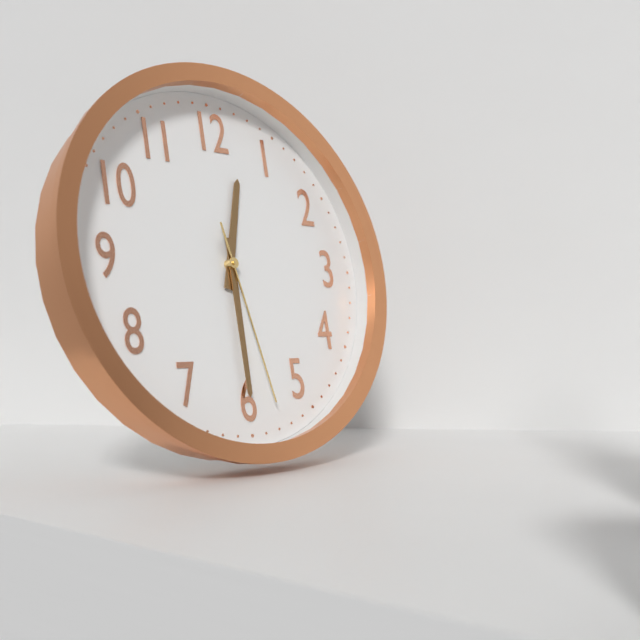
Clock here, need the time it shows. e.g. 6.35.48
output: 12.30.28
